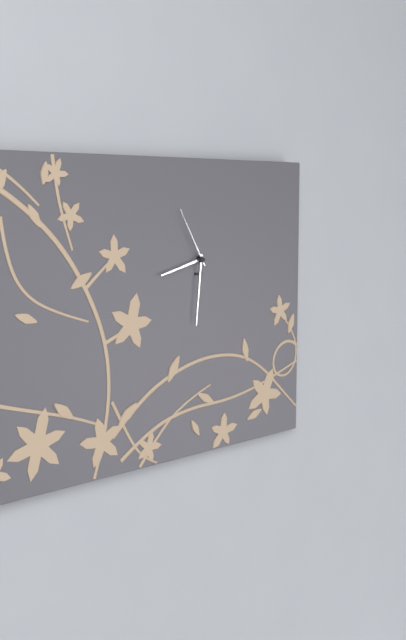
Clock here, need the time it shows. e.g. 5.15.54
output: 8.31.55
